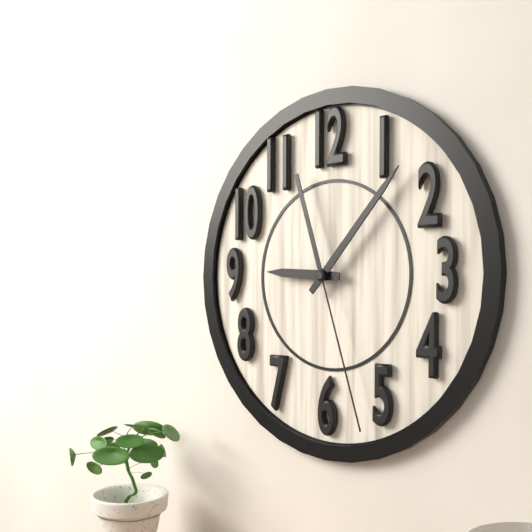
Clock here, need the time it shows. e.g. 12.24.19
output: 9.07.27
